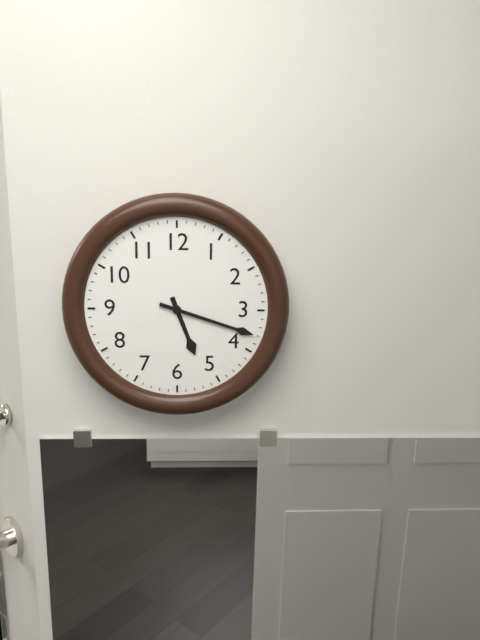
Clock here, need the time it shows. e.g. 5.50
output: 5.18
